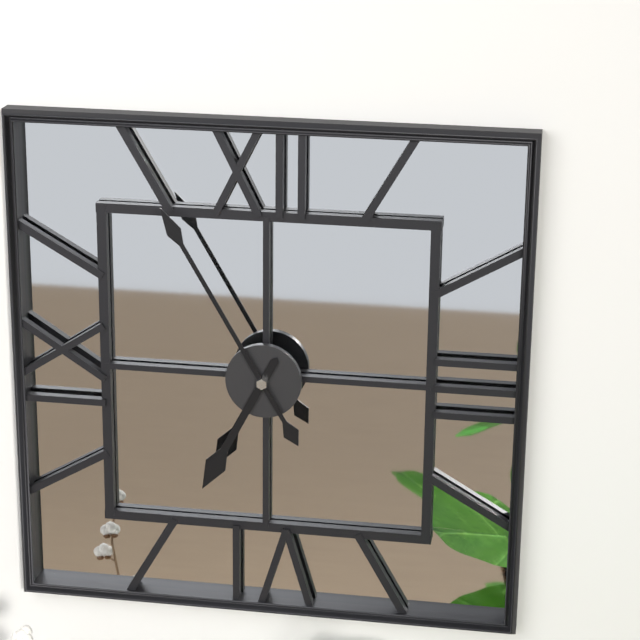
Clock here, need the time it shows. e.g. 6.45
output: 6.55
